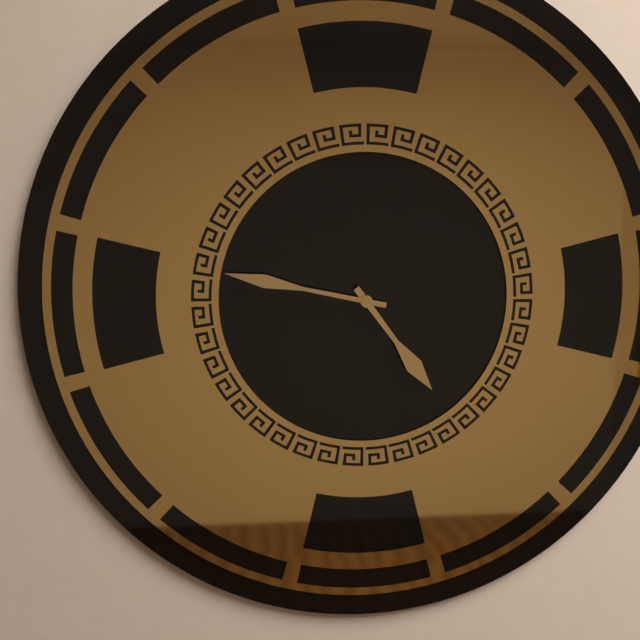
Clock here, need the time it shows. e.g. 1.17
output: 4.47
